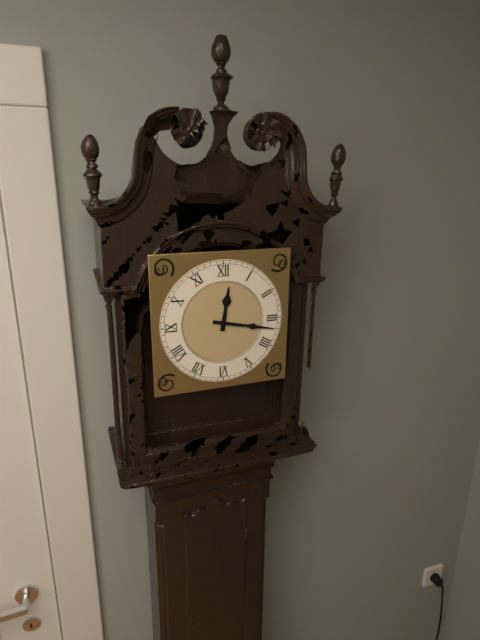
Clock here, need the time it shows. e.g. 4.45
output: 12.17
